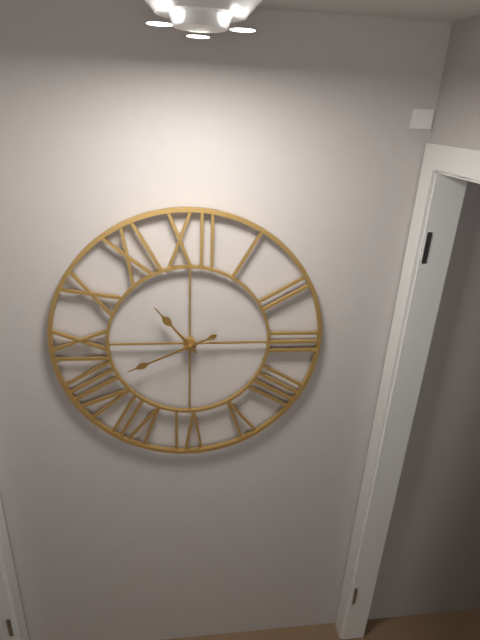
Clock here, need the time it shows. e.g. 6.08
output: 10.41
